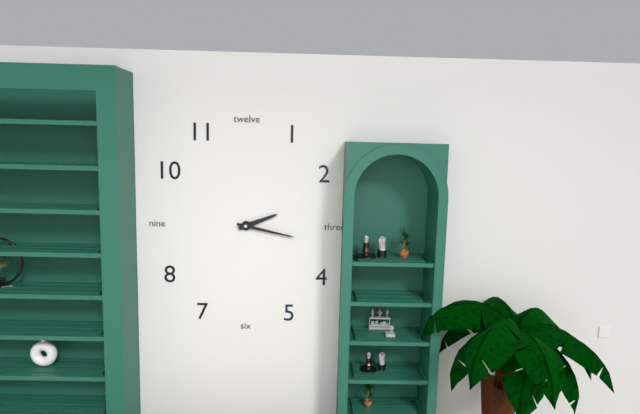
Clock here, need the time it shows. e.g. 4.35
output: 2.17
